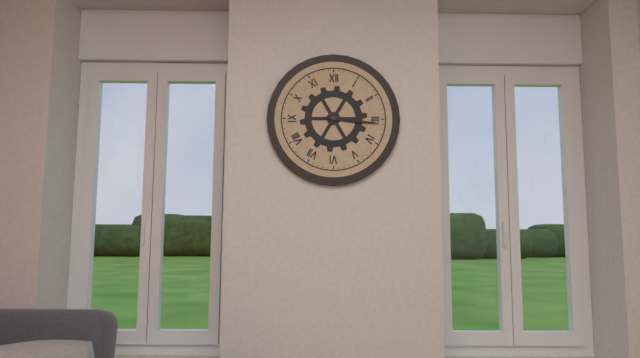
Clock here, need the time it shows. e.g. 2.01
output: 3.16
